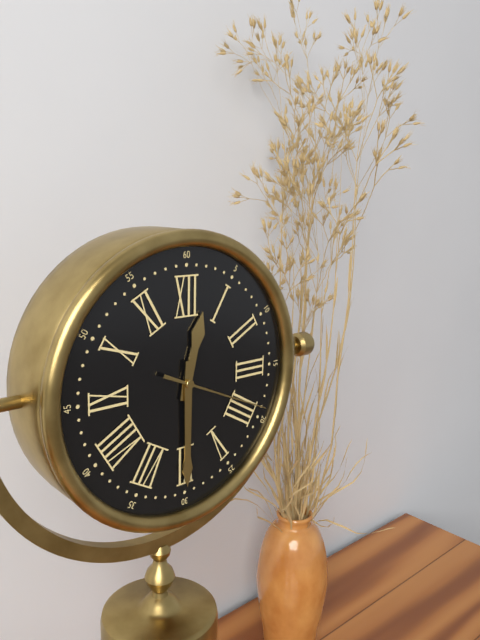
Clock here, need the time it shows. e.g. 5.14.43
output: 12.30.19
